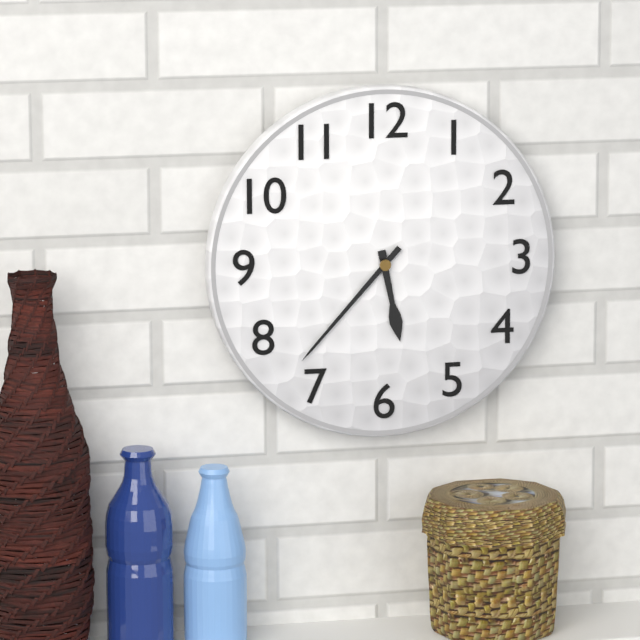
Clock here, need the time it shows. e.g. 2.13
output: 5.37
